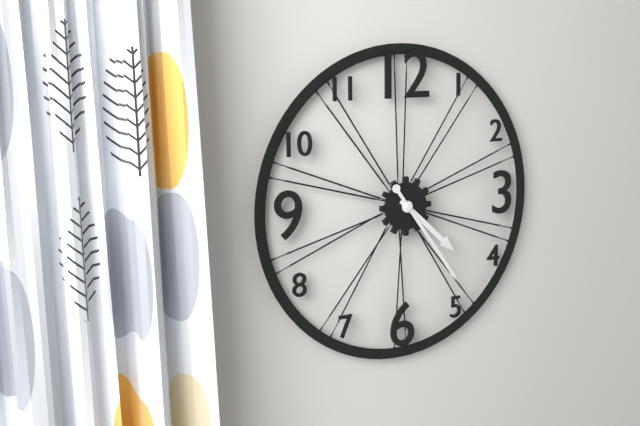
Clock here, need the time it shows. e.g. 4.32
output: 4.24
